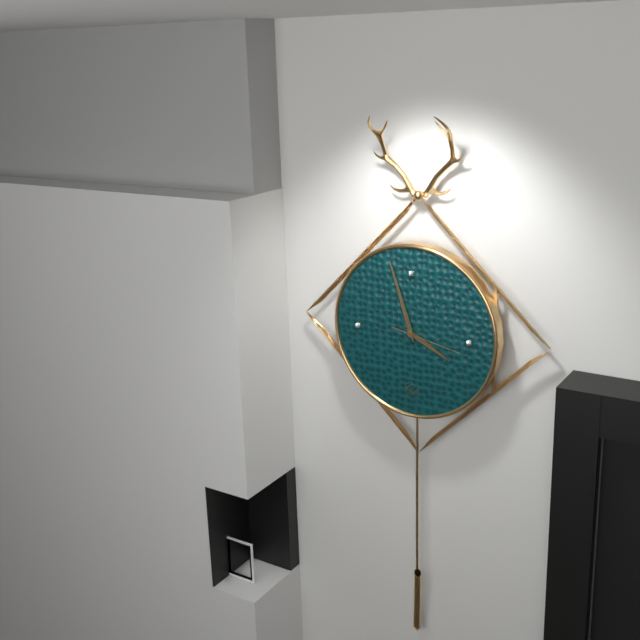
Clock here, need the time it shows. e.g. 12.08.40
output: 3.57.17
